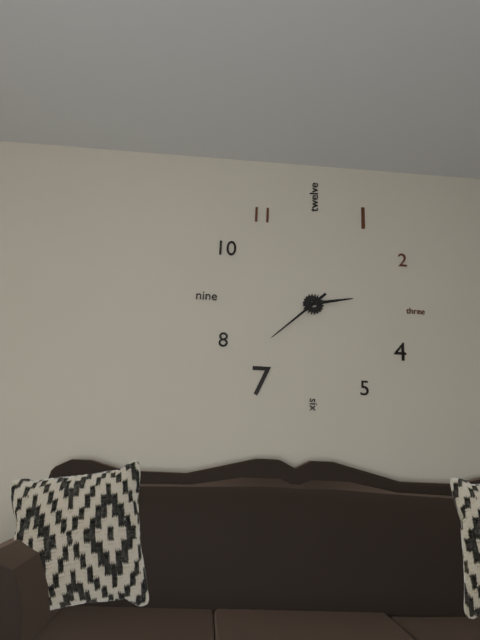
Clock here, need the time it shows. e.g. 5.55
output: 2.38
